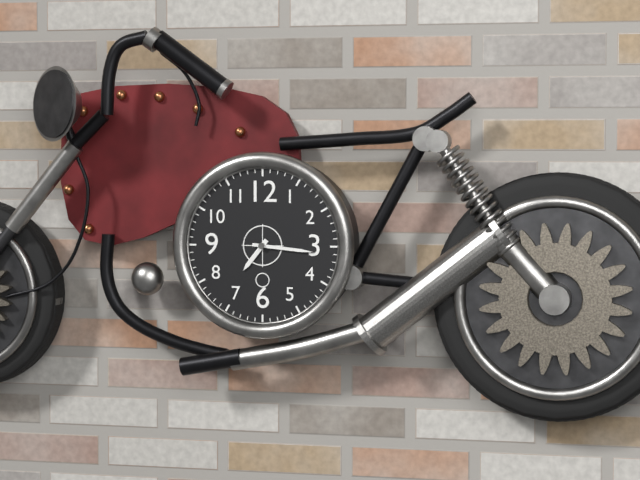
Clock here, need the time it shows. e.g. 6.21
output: 7.16
